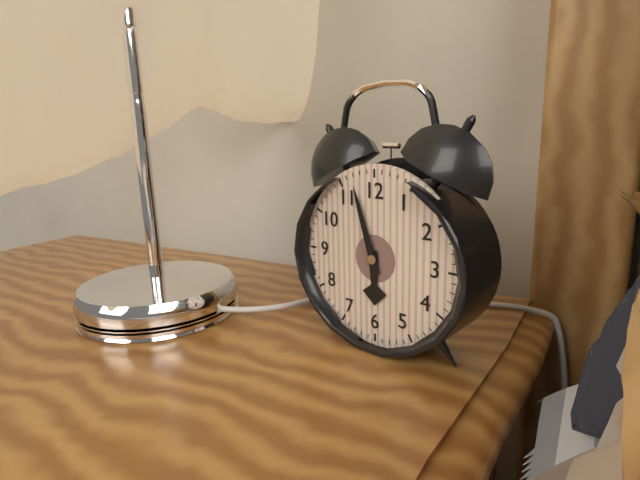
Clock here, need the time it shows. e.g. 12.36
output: 5.57
